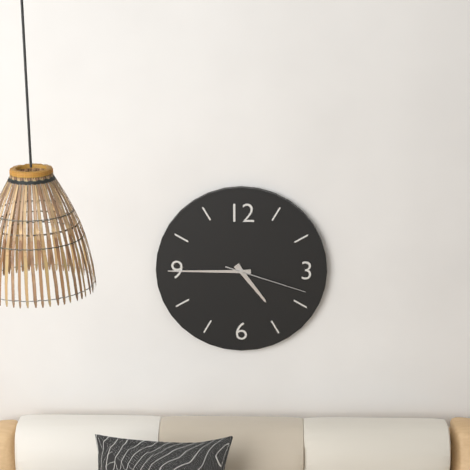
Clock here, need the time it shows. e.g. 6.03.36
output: 4.45.18
